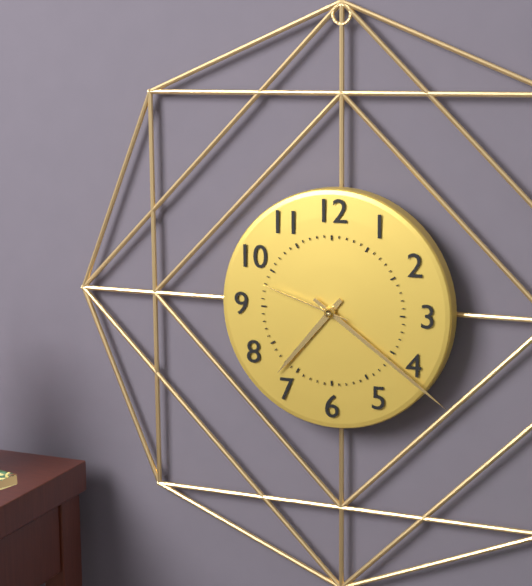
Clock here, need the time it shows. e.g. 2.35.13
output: 7.21.48
